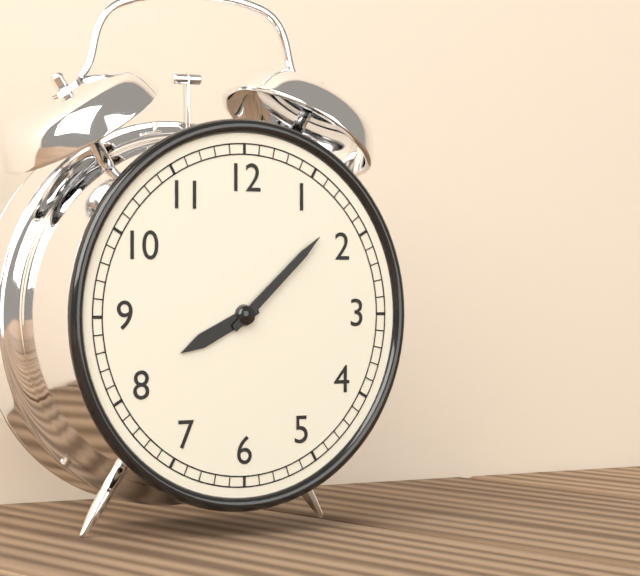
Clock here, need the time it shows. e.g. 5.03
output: 8.08
